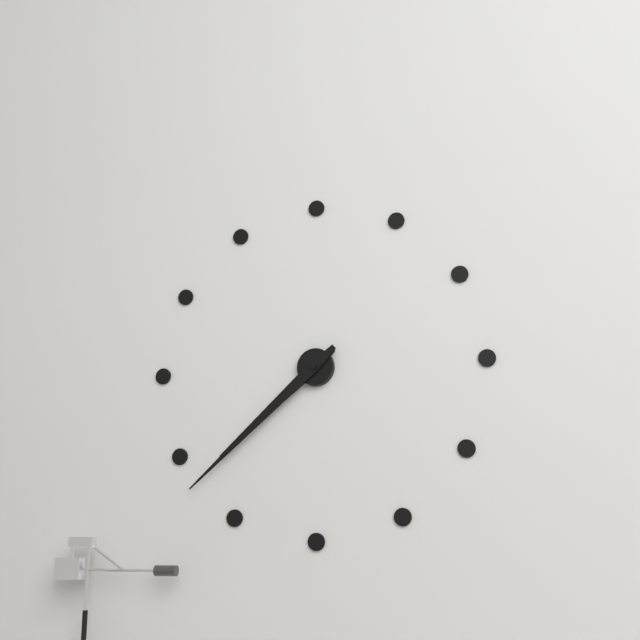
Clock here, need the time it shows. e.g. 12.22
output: 7.38
